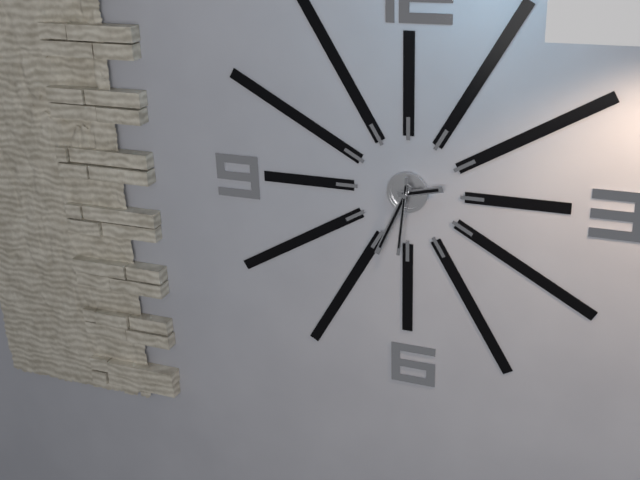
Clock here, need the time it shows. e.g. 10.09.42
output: 2.34.31
